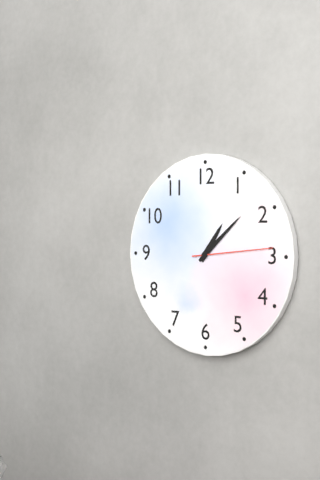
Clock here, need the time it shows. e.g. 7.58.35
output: 1.08.14
